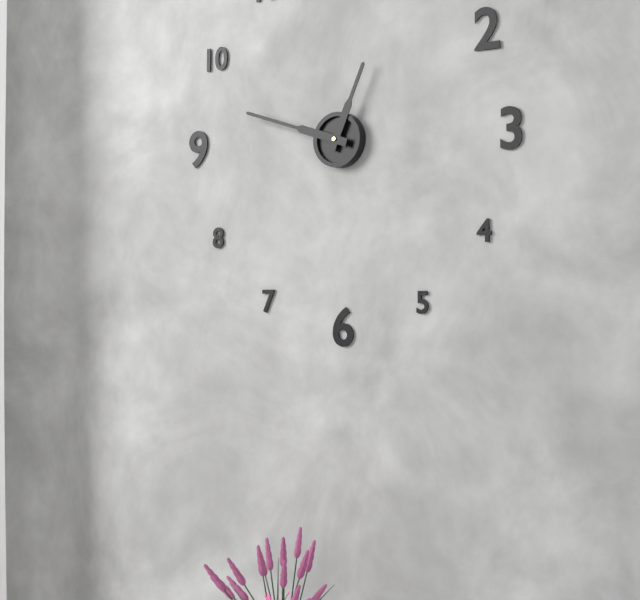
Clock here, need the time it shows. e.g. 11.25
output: 12.48
